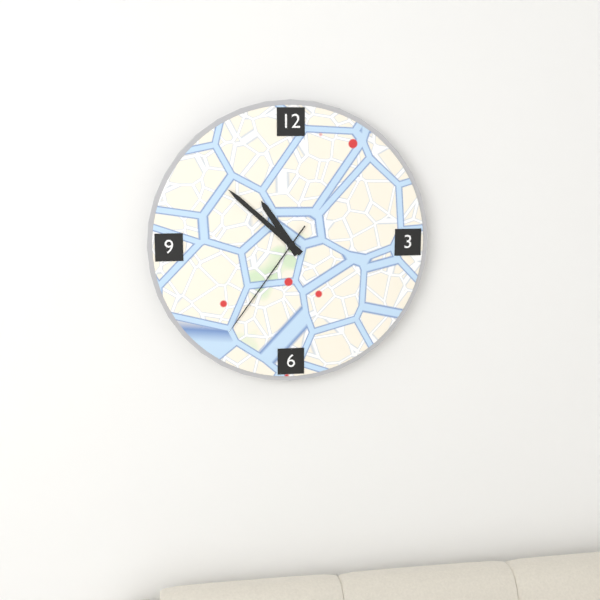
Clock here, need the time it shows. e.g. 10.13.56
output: 10.52.36
